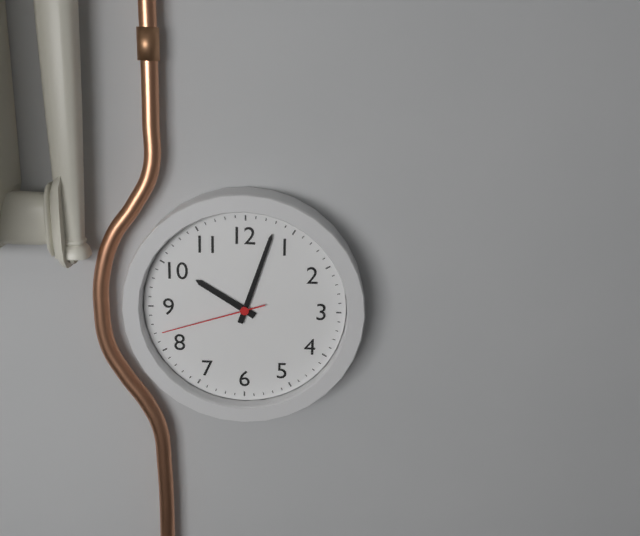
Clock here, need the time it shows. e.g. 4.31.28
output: 10.03.42
